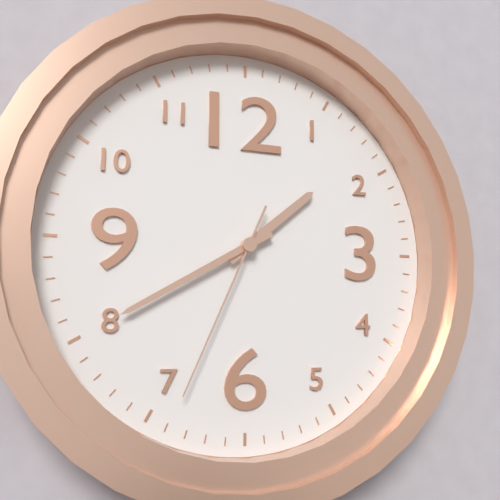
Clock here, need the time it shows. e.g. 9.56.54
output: 1.40.34
